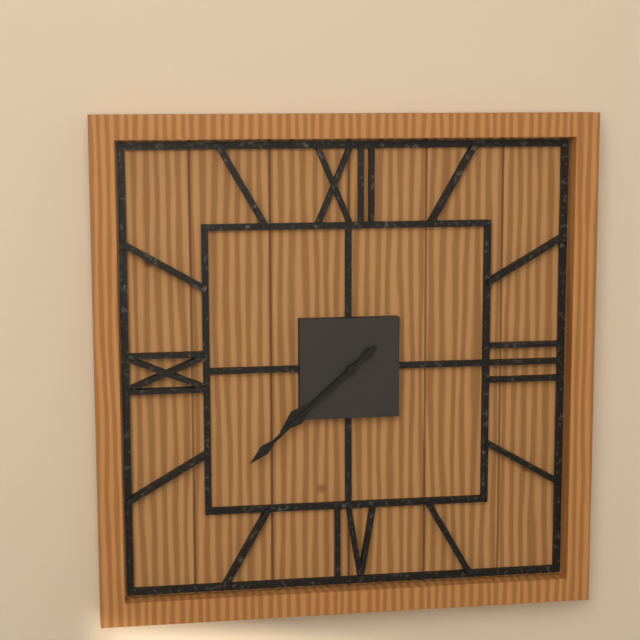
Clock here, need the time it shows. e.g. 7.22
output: 7.38
